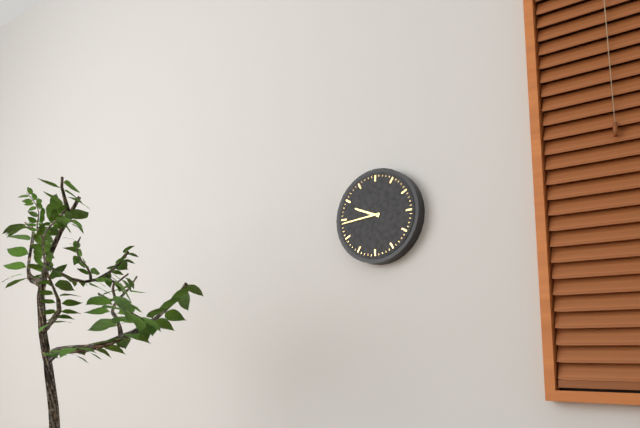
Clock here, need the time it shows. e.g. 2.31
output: 9.44
